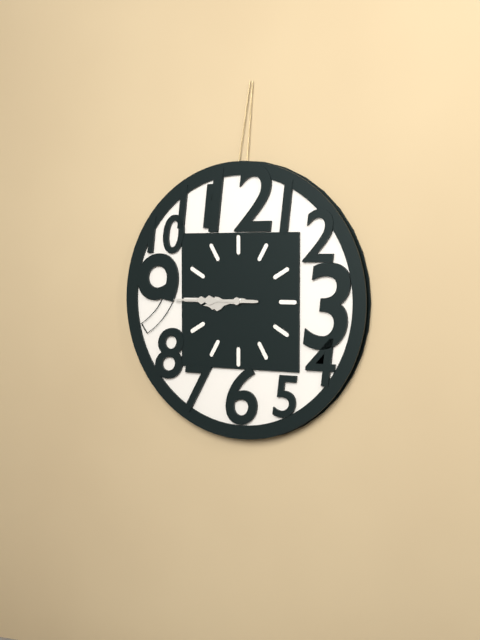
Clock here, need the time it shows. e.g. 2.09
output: 8.45
